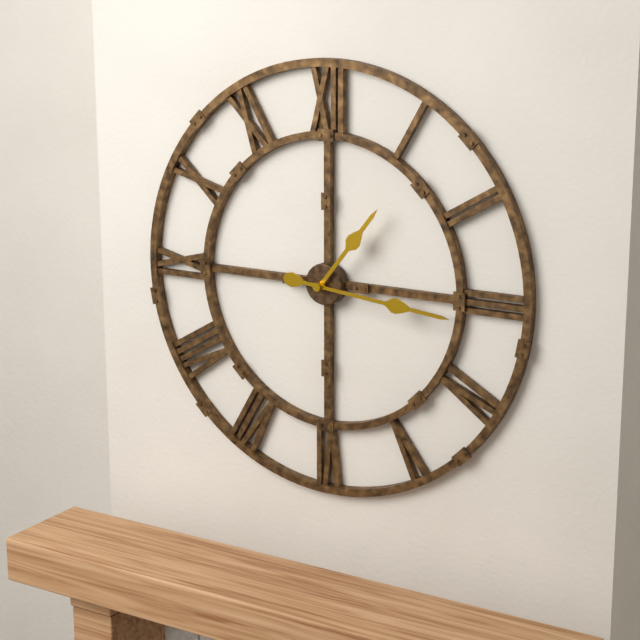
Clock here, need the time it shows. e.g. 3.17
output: 1.16
